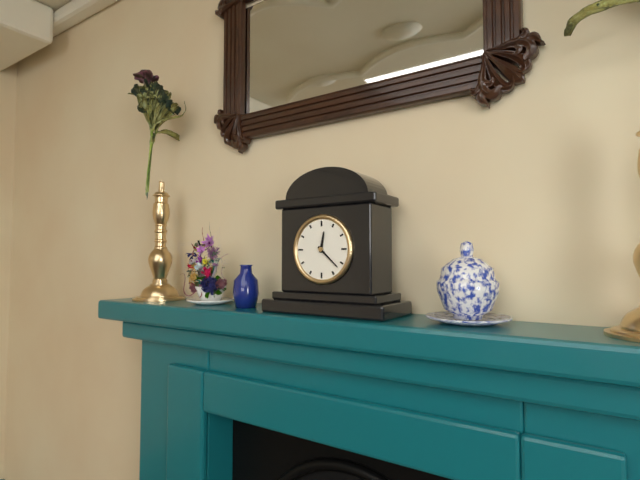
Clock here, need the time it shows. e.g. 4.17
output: 12.22
